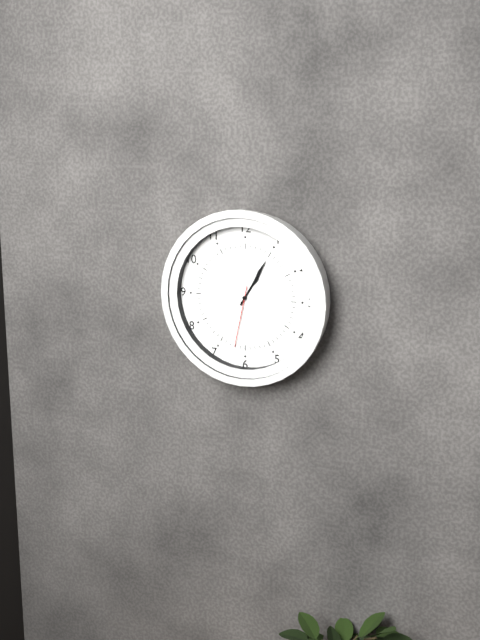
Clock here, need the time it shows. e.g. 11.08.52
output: 1.05.32
